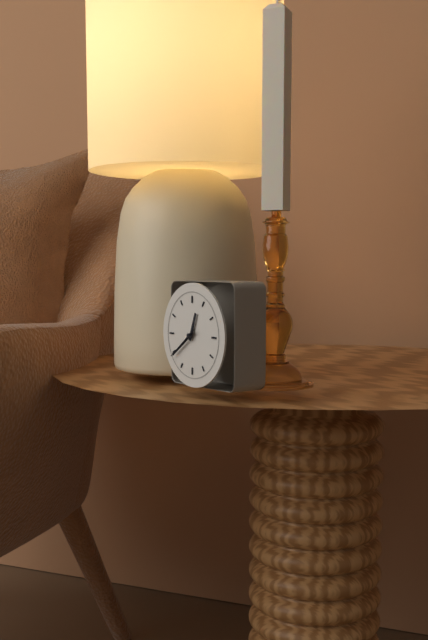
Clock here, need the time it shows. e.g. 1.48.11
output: 12.39.39
